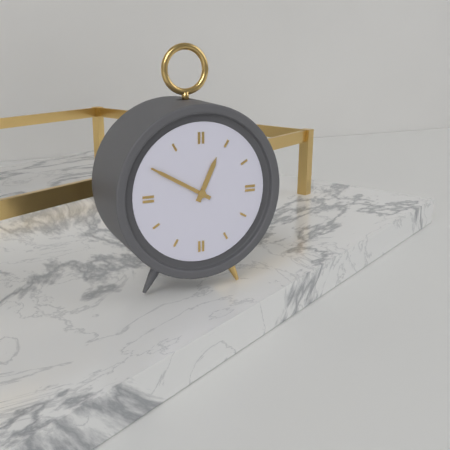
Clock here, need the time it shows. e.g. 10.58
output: 12.50
